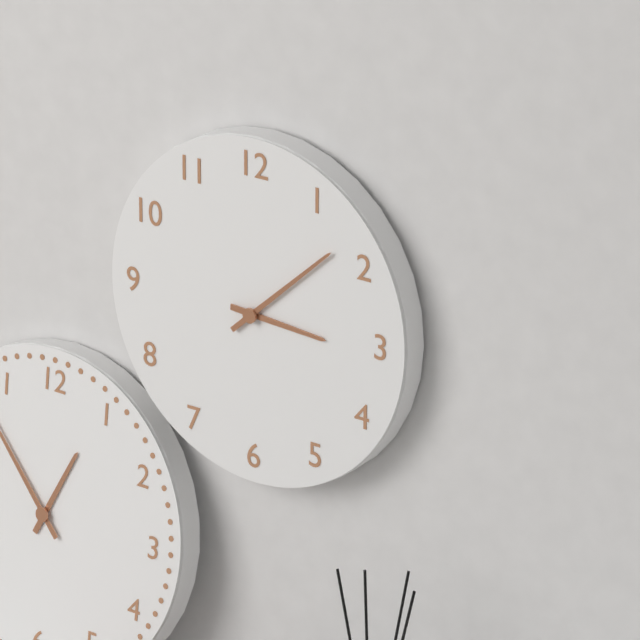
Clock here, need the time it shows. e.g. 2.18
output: 3.08
